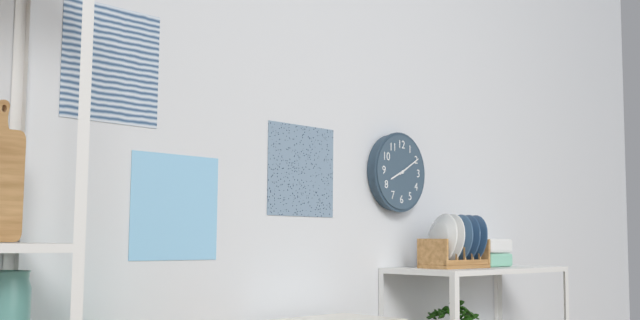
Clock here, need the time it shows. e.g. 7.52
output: 8.10
